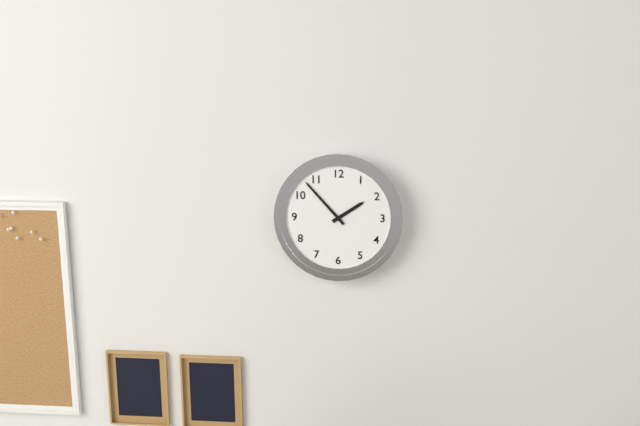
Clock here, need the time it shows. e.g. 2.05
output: 1.53
